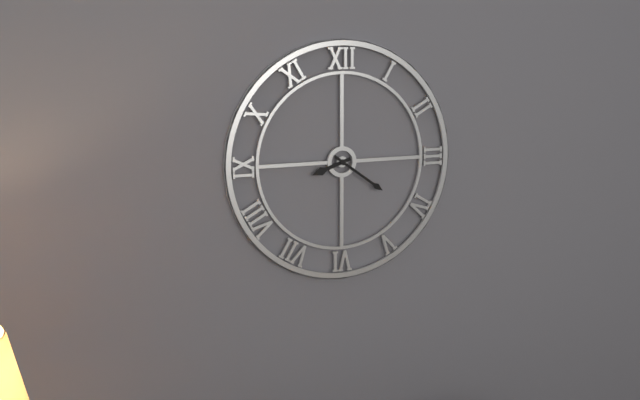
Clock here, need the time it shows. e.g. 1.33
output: 8.21
